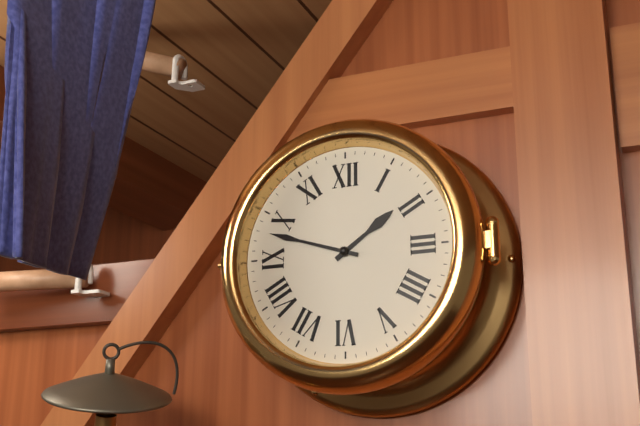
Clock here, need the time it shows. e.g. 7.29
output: 1.48
